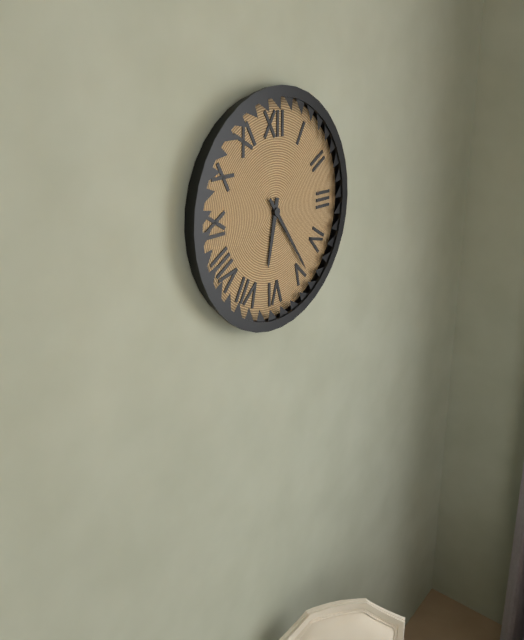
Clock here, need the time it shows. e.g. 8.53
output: 6.24
